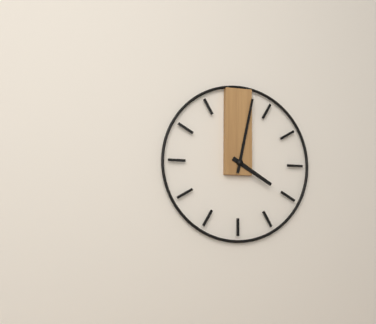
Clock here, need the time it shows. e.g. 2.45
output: 4.02
